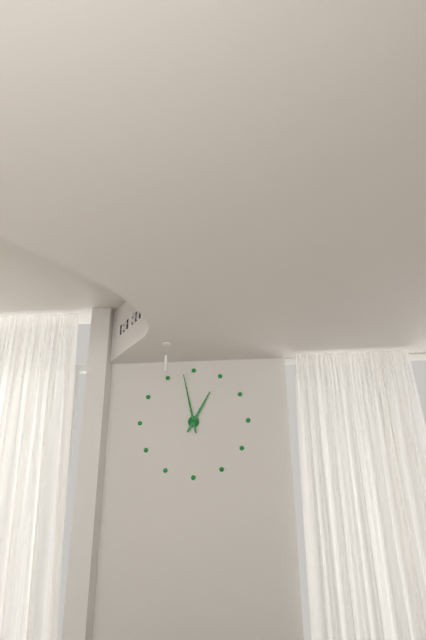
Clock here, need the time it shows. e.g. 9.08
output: 12.58
